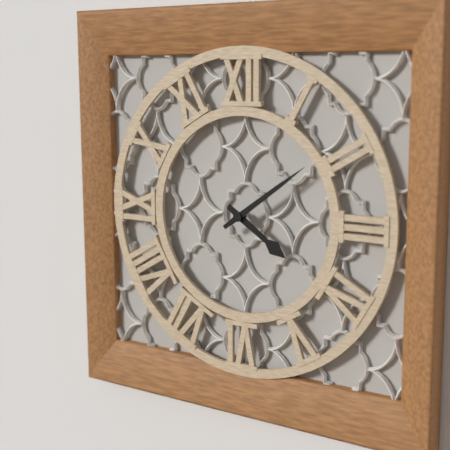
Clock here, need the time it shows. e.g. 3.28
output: 4.09
